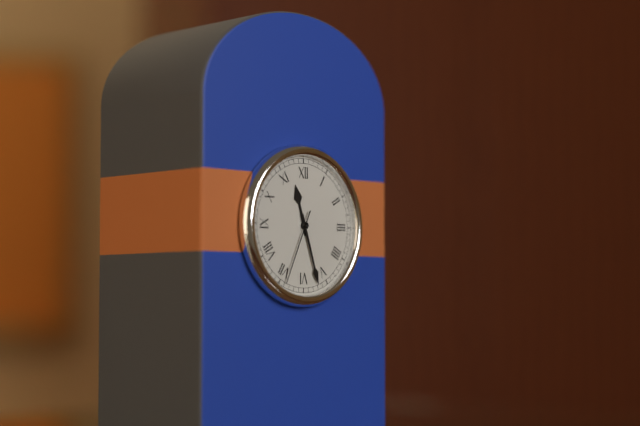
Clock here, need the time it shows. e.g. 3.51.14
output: 11.27.34
